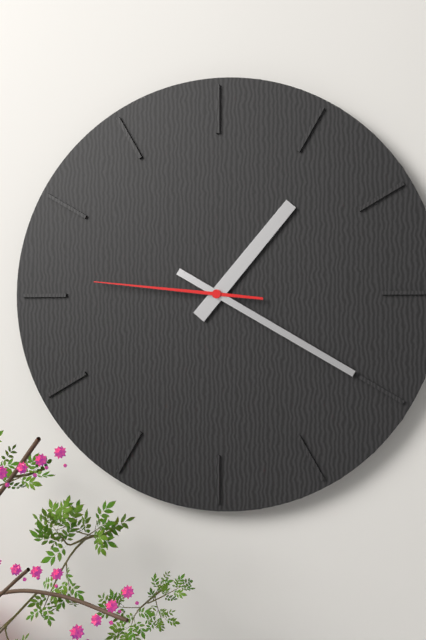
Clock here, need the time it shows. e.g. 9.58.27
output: 1.20.46
